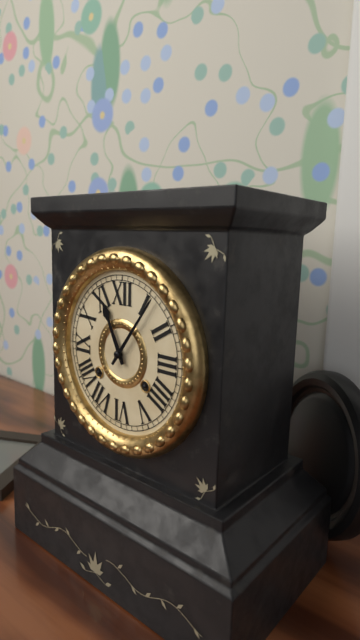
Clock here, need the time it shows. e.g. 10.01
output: 11.06
